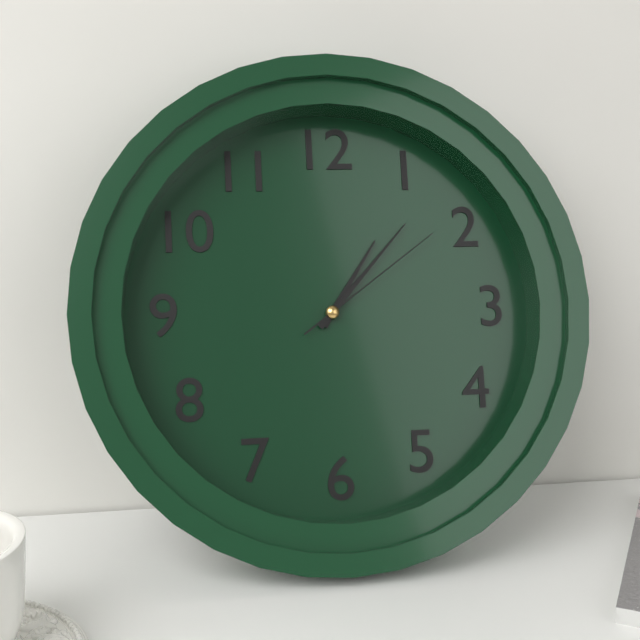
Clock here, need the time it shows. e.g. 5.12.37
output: 1.07.09
